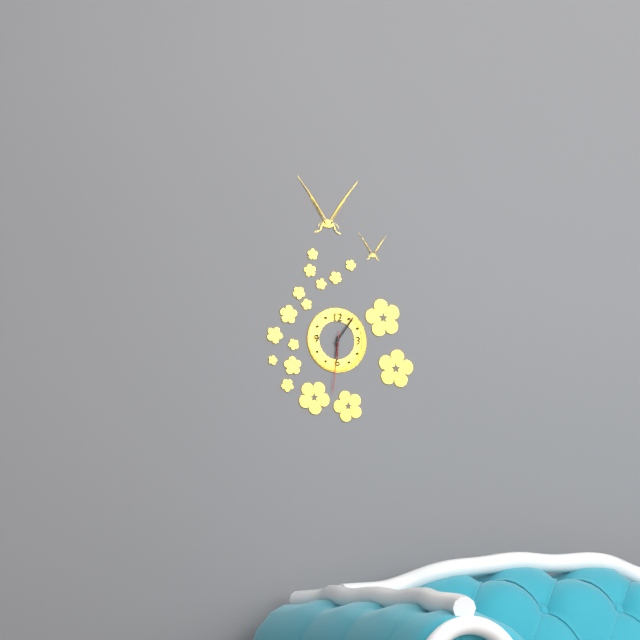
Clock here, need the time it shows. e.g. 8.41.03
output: 6.06.31
